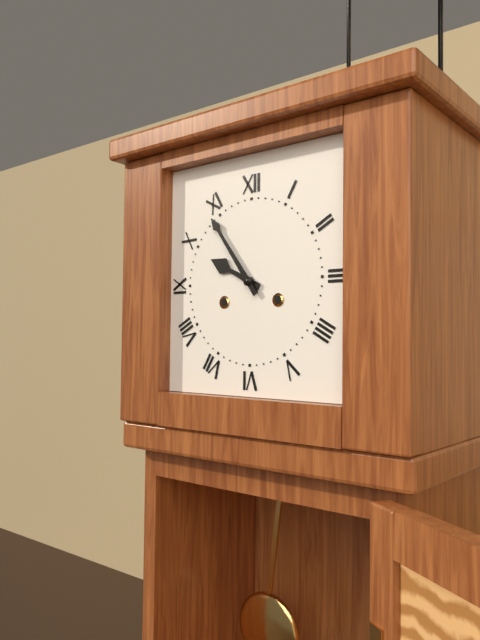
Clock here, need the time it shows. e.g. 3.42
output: 9.54
